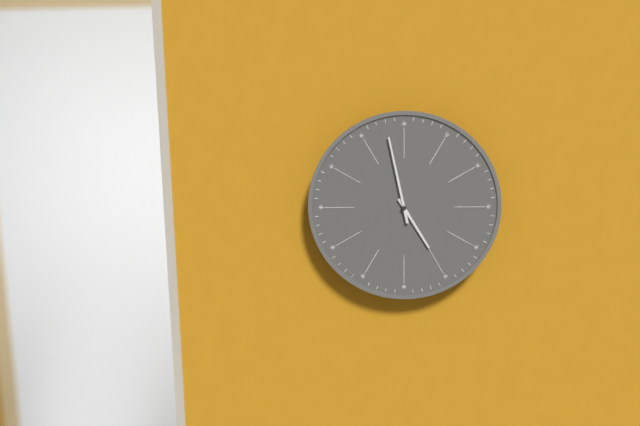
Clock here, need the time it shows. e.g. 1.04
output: 4.58
